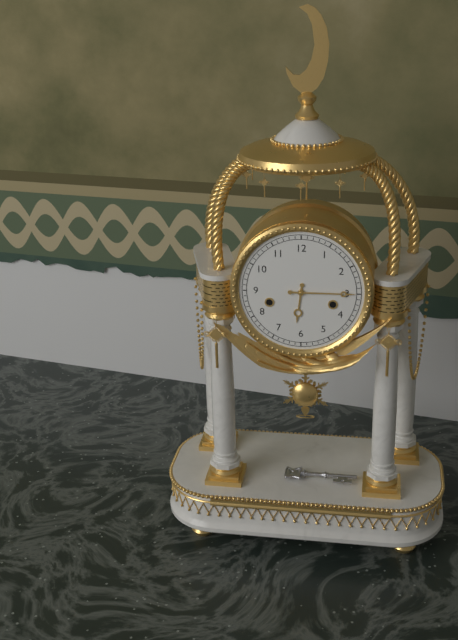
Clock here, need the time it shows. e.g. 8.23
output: 6.15
